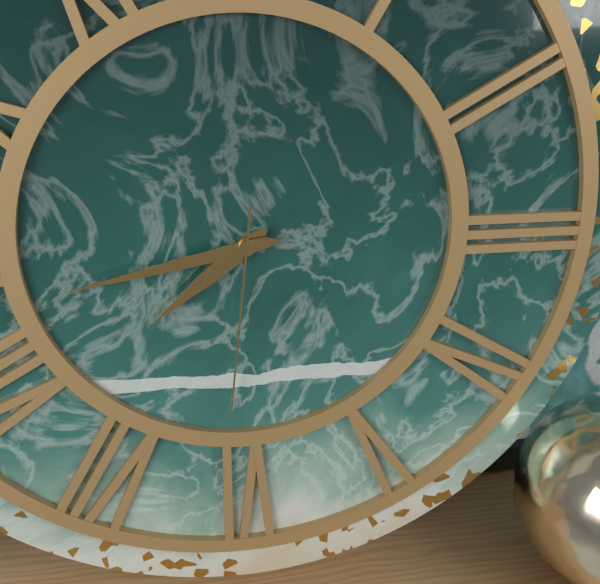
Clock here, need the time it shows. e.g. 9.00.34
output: 7.43.31
